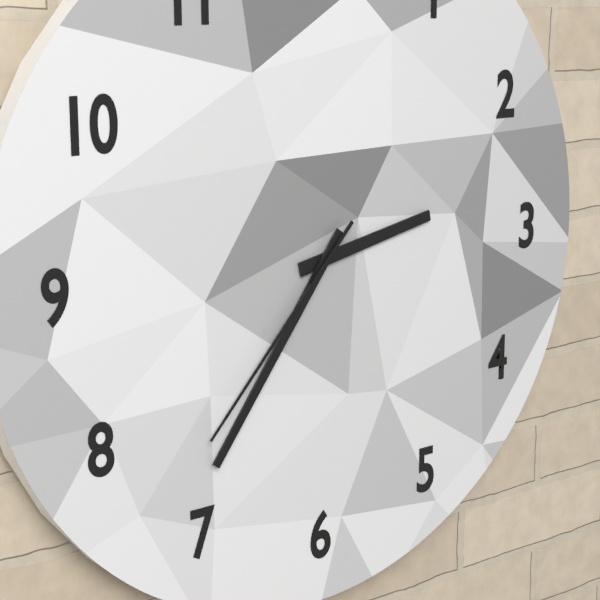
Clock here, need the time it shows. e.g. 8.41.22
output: 2.36.37
